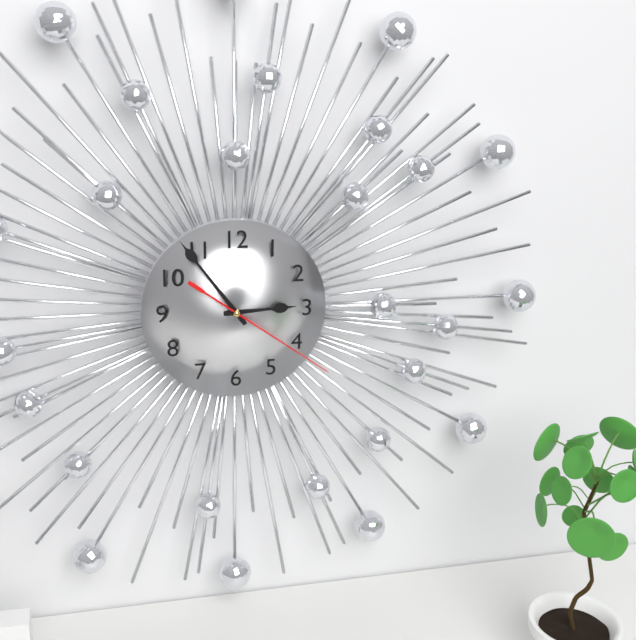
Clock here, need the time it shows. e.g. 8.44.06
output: 2.54.21
